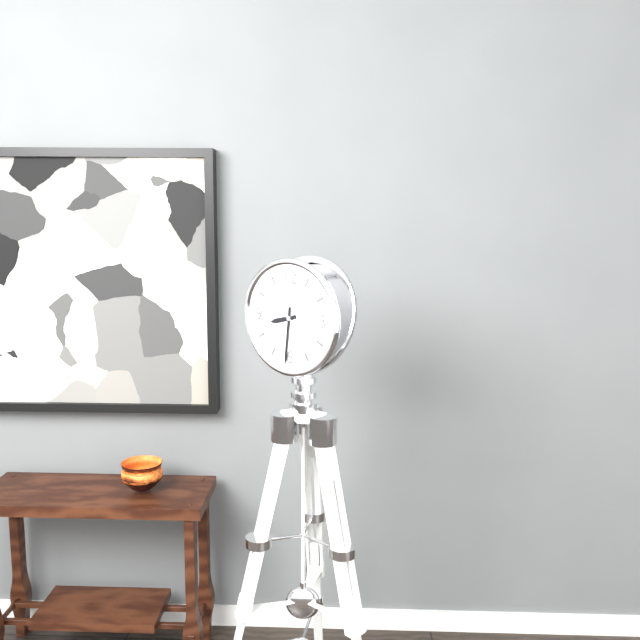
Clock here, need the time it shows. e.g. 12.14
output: 8.31
